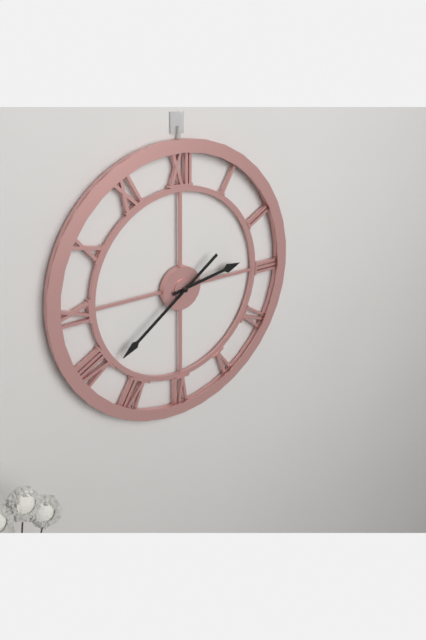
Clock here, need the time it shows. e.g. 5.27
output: 2.39
